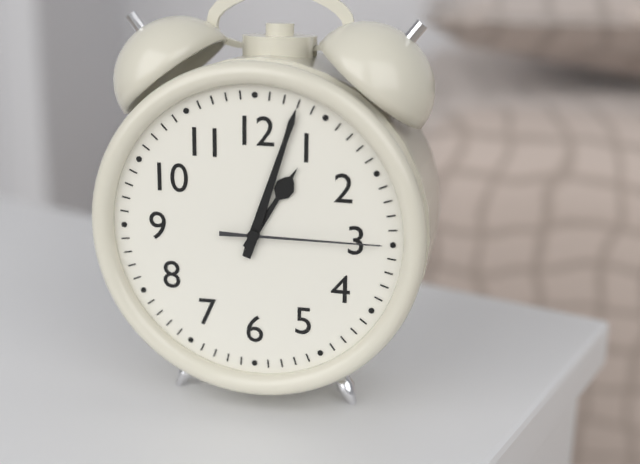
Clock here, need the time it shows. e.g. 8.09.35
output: 1.03.15
